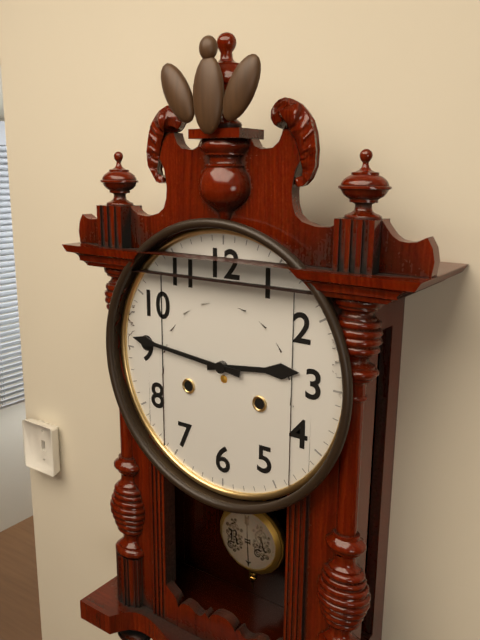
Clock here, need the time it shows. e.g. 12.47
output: 2.46
